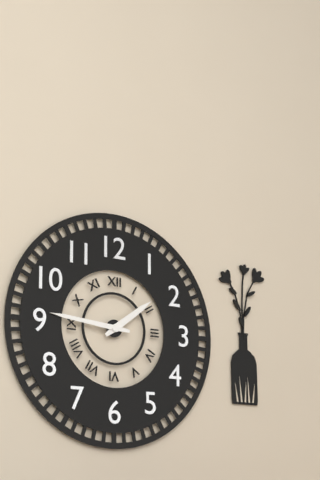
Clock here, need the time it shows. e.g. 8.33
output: 1.46
